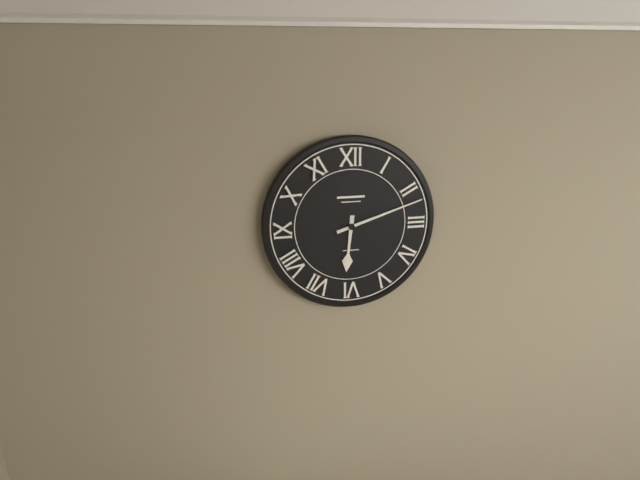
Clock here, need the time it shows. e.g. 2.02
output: 6.12
